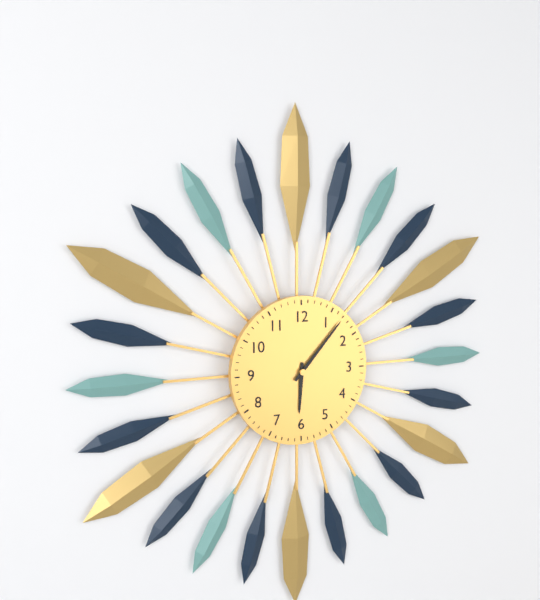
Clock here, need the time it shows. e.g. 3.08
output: 6.07
